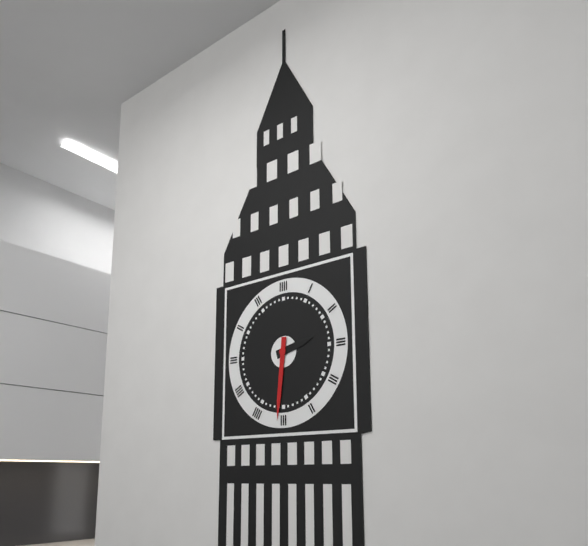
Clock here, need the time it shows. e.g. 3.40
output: 2.31
